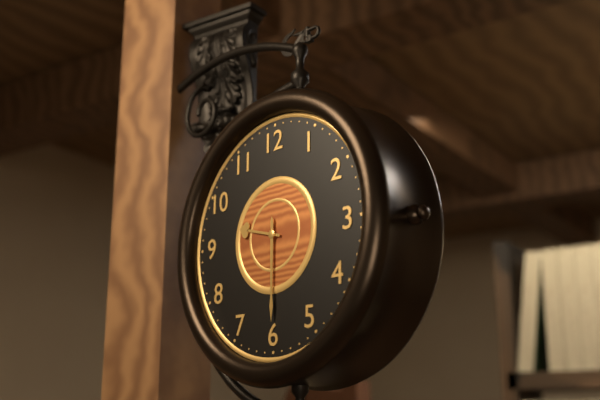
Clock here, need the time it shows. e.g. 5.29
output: 9.30
